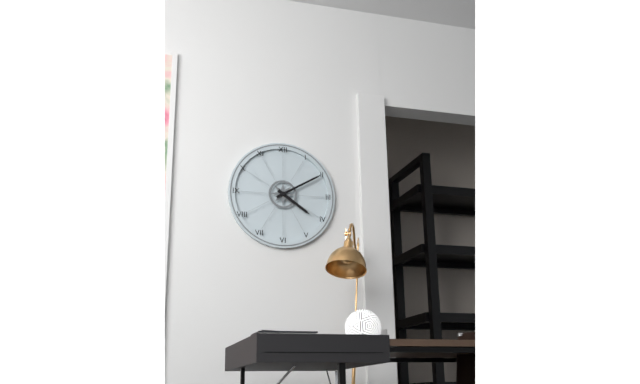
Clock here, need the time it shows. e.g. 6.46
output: 4.10
